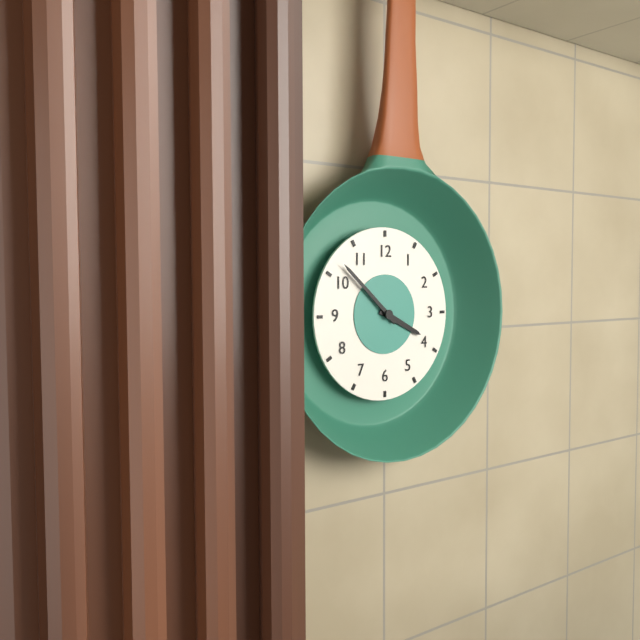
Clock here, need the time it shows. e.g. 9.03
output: 3.52
